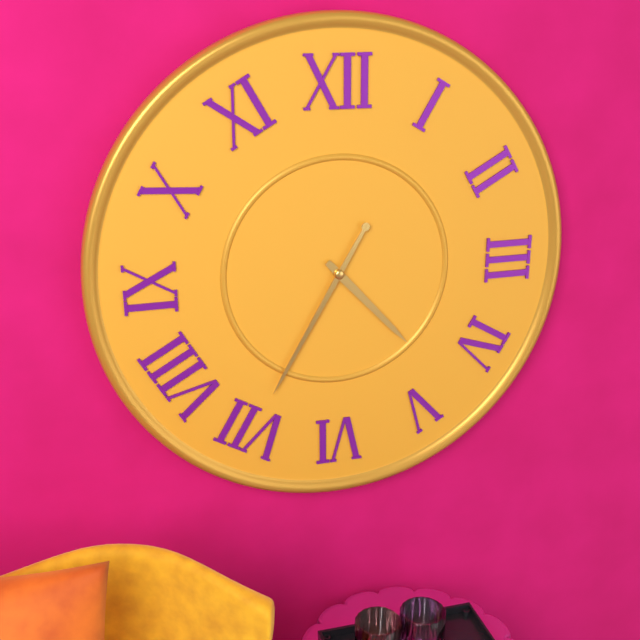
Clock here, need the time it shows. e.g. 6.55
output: 4.35
